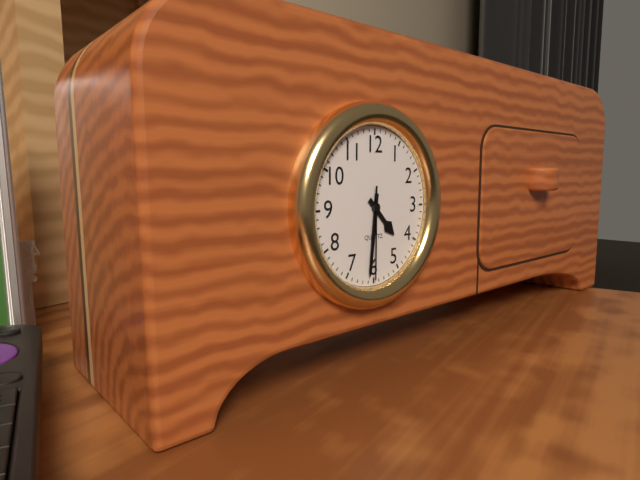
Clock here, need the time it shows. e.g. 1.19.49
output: 4.31.30
